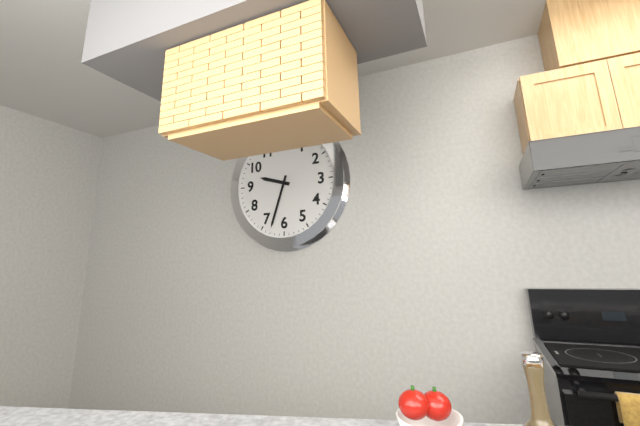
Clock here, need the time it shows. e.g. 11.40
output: 9.33
